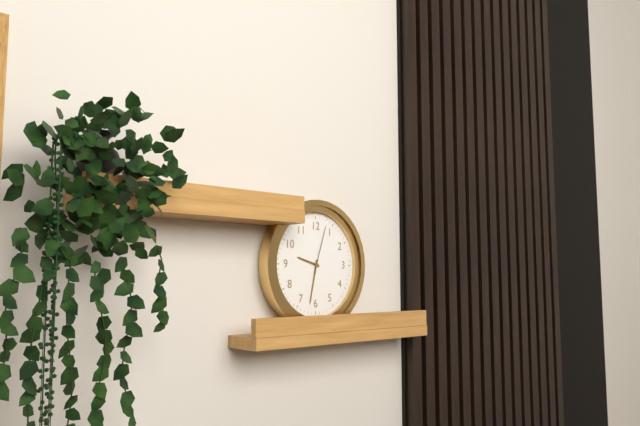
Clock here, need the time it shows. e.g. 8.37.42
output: 9.32.03
